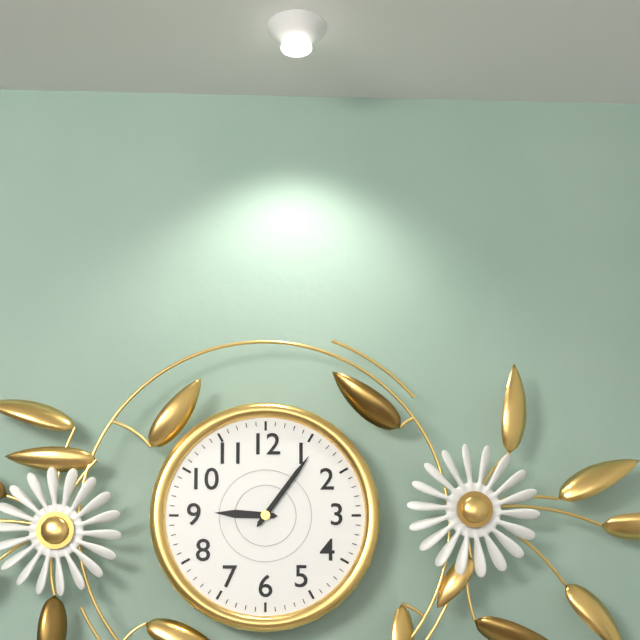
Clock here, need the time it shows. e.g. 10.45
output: 9.06
